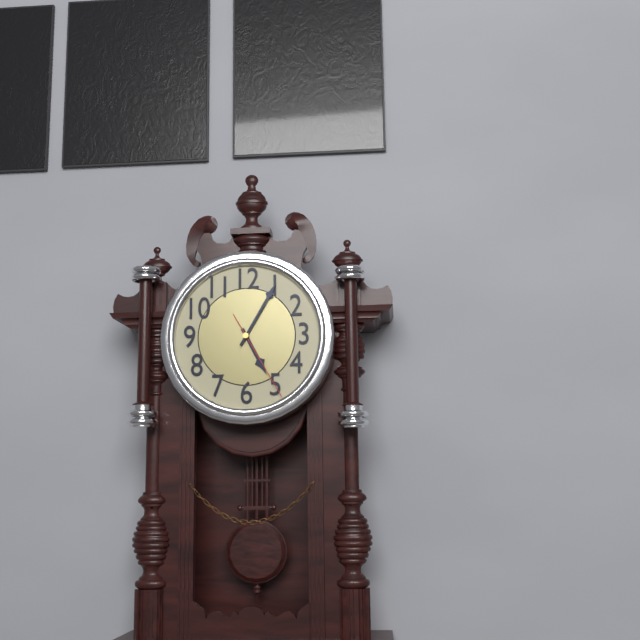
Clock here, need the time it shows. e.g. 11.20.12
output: 5.05.25
